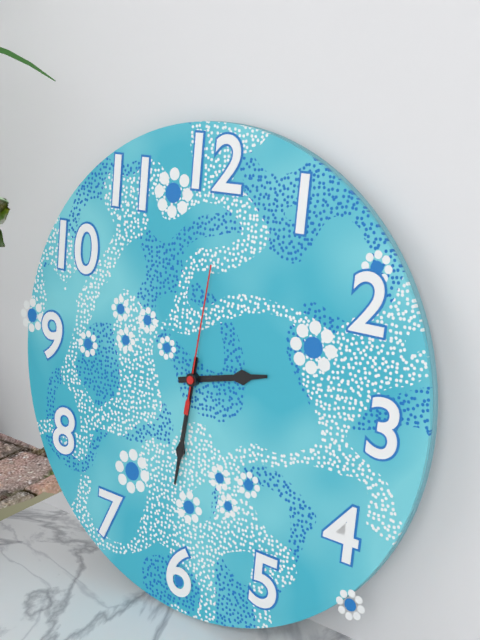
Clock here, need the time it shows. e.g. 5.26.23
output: 2.31.01
